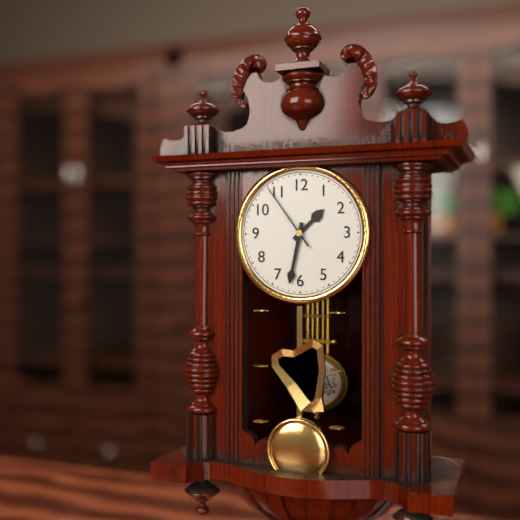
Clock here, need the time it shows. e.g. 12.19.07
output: 1.32.54
